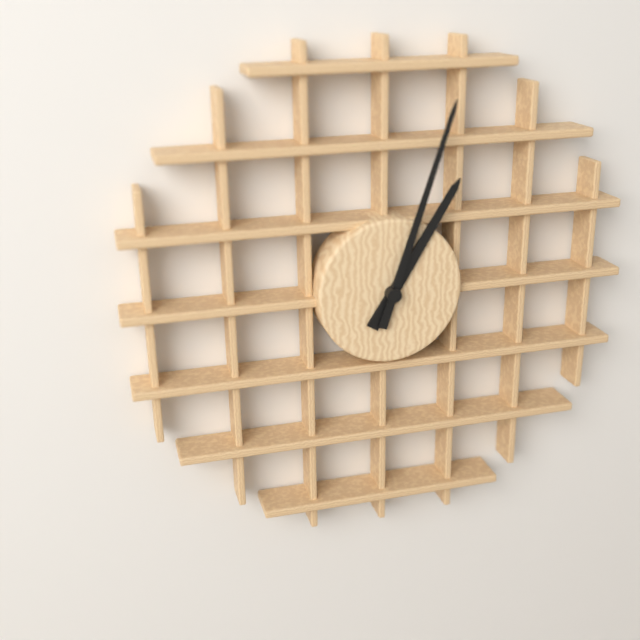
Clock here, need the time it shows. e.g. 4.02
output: 1.03
